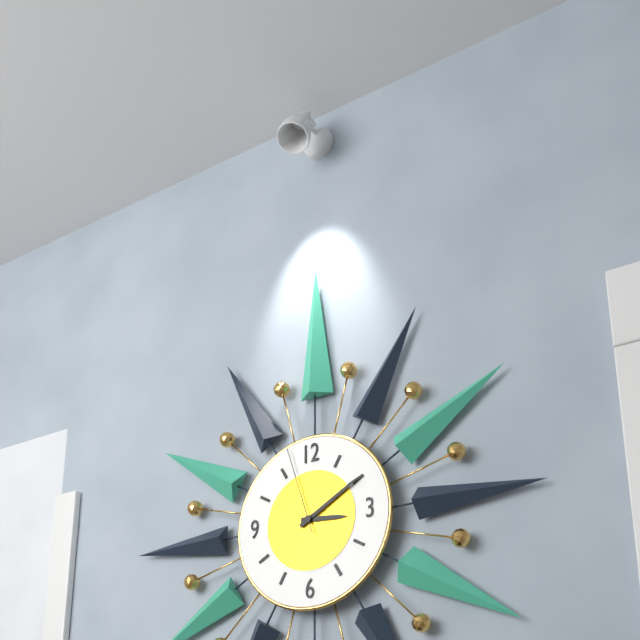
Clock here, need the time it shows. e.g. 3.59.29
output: 3.10.57
